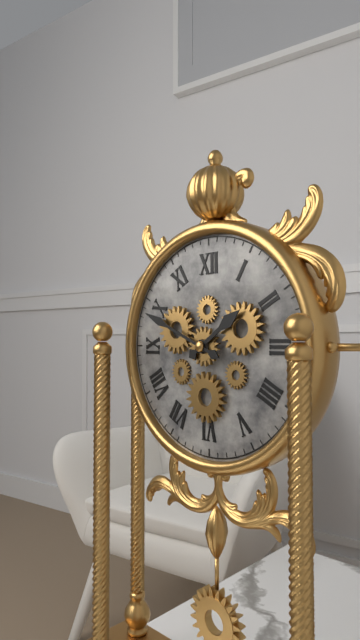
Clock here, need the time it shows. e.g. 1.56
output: 1.49
